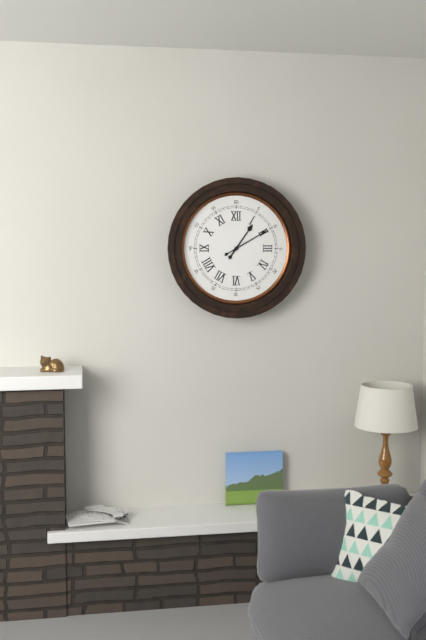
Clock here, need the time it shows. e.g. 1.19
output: 1.10
